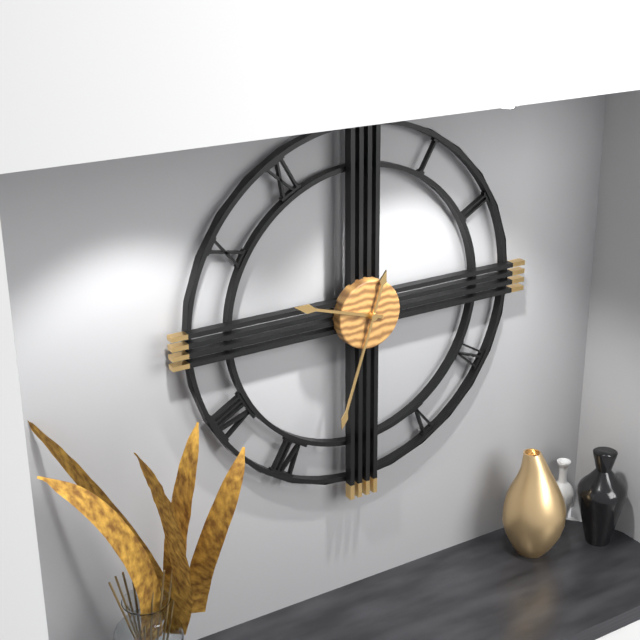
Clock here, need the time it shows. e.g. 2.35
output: 9.33
